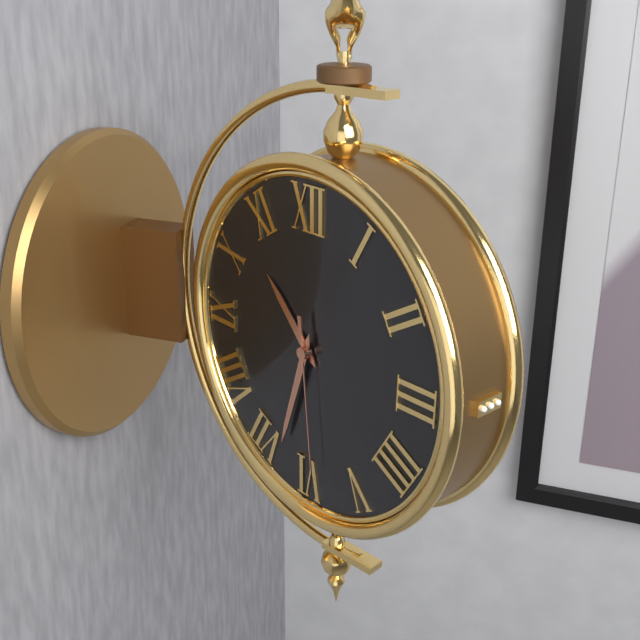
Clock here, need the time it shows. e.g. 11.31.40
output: 10.33.29
